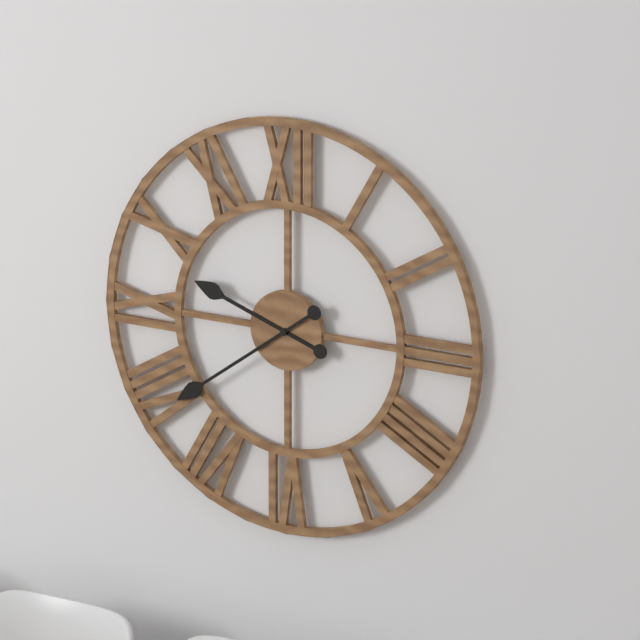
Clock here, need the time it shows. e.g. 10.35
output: 9.39
